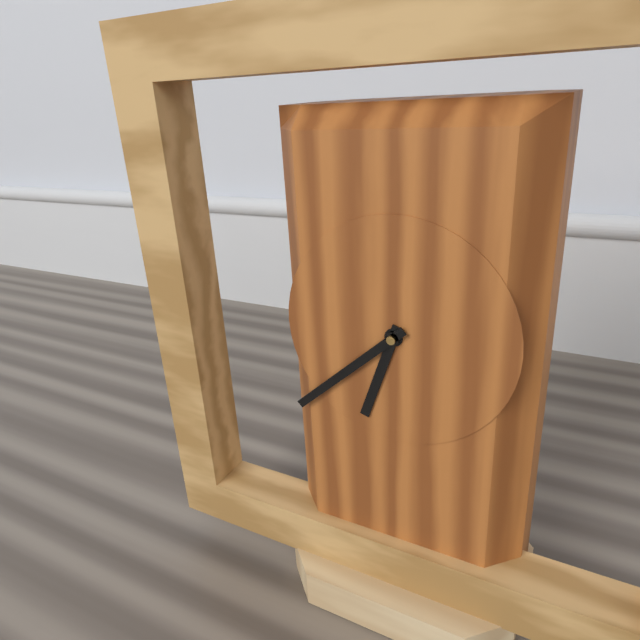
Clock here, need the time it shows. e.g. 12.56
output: 6.38
